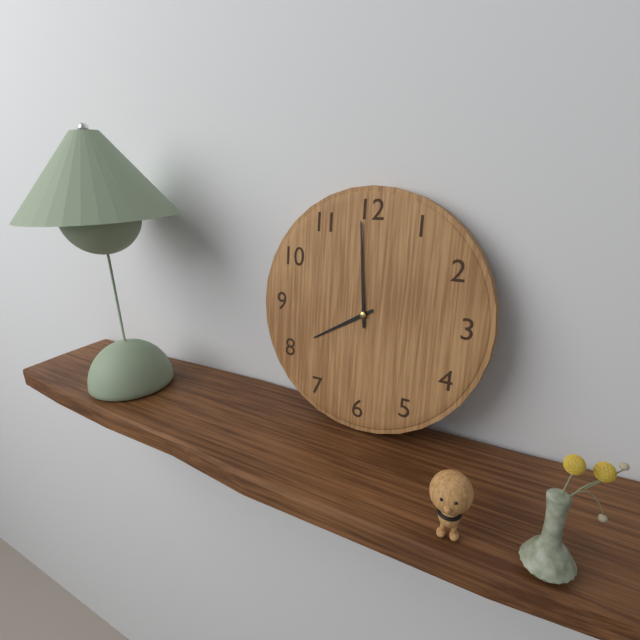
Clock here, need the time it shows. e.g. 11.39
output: 7.59
